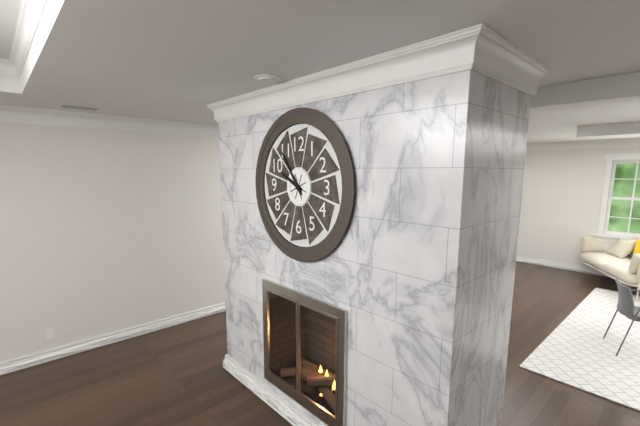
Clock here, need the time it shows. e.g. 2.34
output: 9.54
